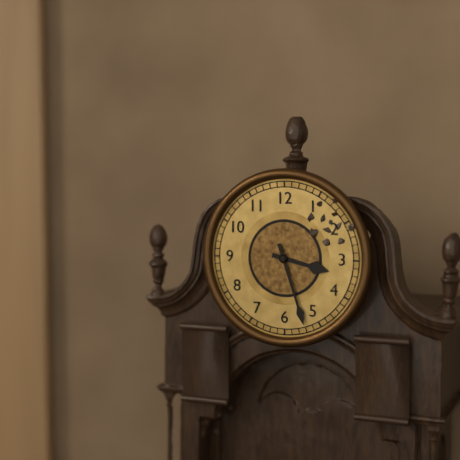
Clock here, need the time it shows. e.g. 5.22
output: 3.27
